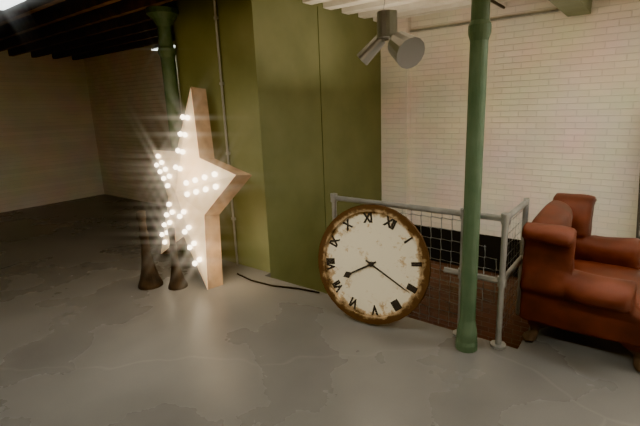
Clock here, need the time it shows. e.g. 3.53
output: 7.16
